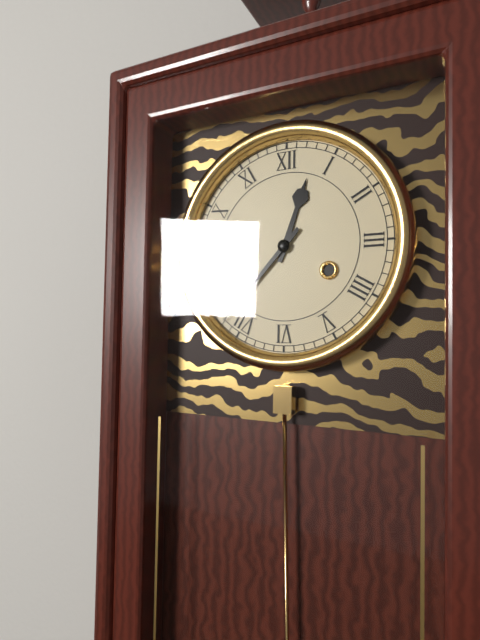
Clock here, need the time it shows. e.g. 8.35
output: 12.37
